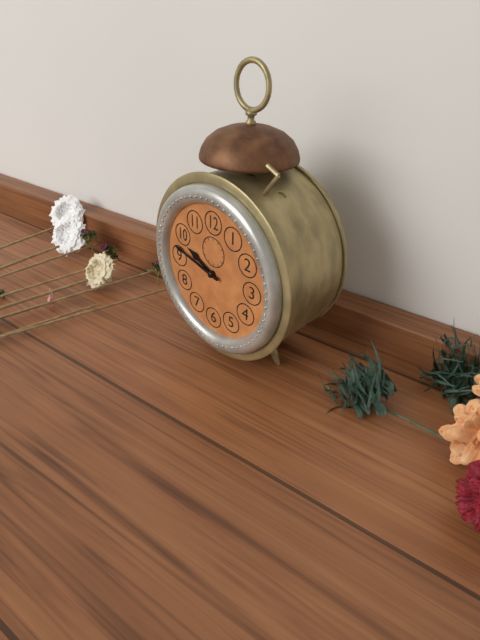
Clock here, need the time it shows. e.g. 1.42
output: 9.47
